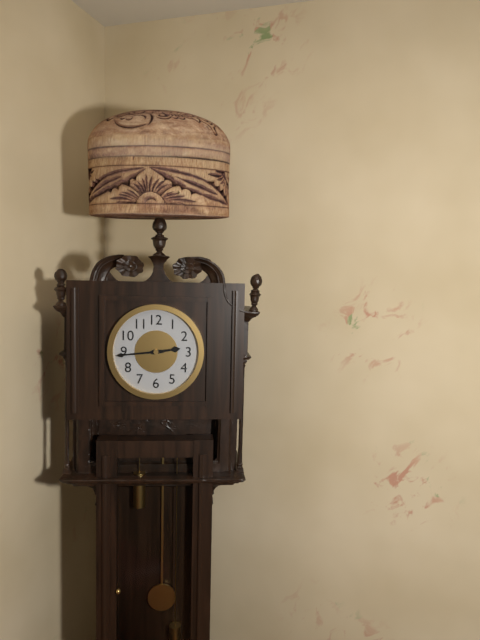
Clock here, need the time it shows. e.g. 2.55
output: 2.44
